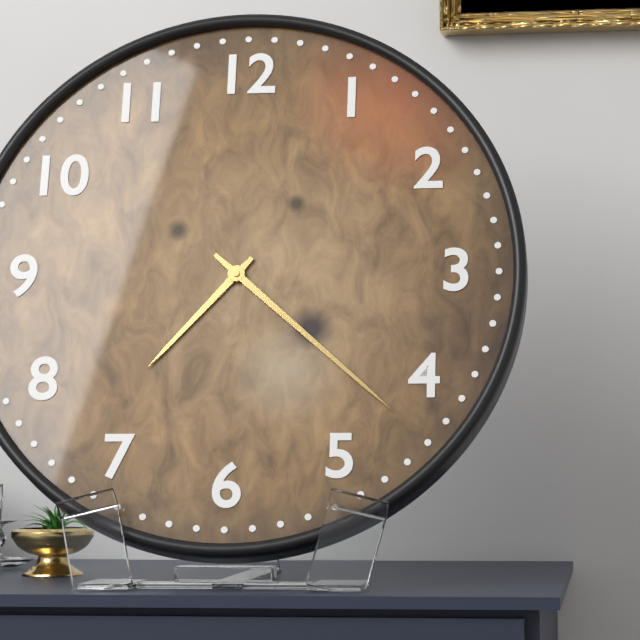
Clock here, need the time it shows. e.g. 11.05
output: 7.22
